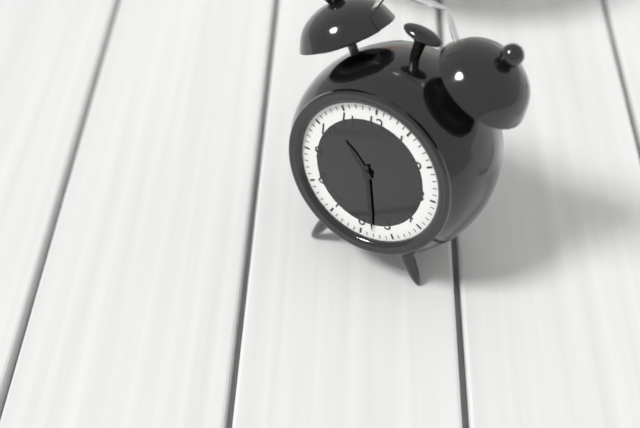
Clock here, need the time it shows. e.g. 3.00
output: 10.28
